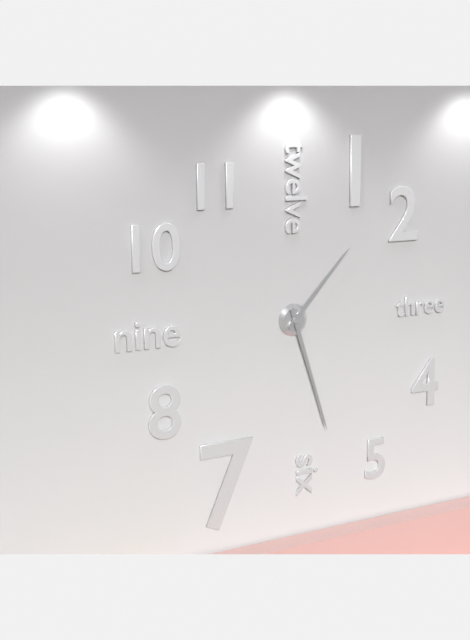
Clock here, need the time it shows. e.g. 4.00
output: 1.27
